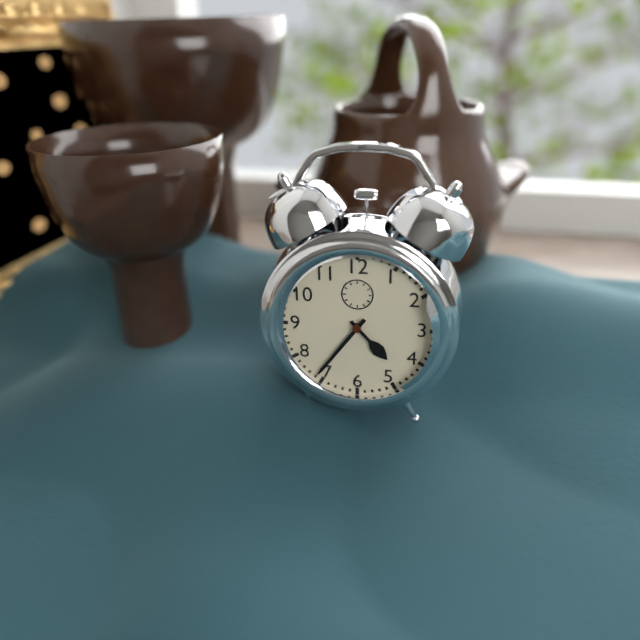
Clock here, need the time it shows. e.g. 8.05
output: 4.36
